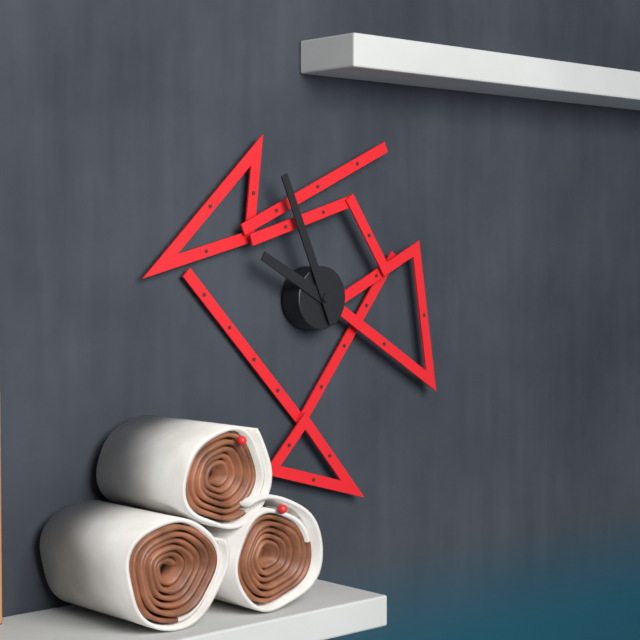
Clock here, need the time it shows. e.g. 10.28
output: 9.56
